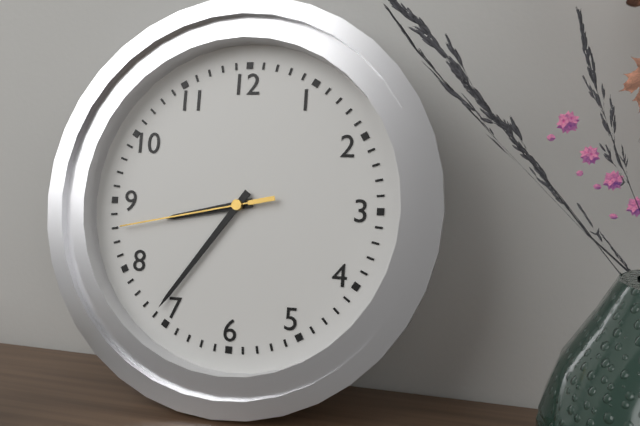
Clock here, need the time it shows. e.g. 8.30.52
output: 8.36.43
